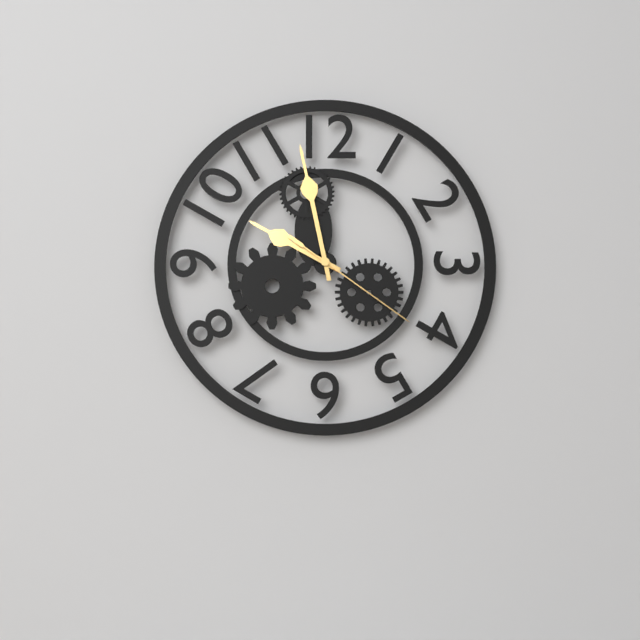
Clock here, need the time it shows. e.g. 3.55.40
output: 9.58.21
